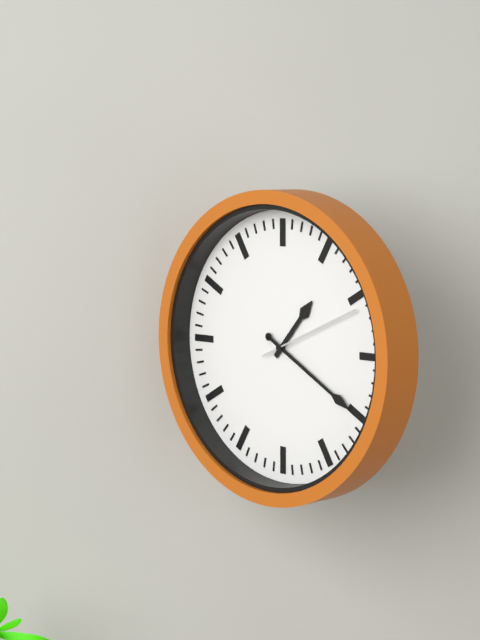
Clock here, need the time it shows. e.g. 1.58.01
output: 1.20.11
